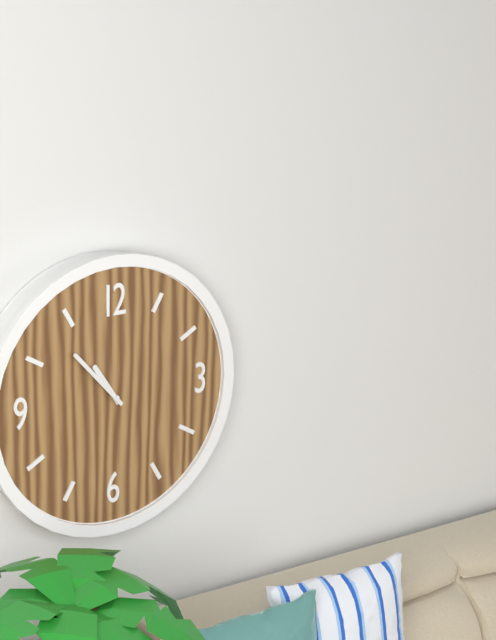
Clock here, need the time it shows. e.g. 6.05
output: 10.53
